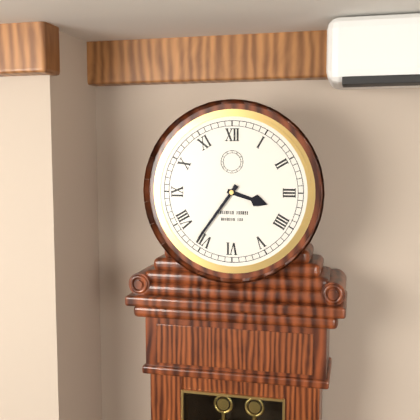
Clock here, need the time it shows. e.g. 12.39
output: 3.36
